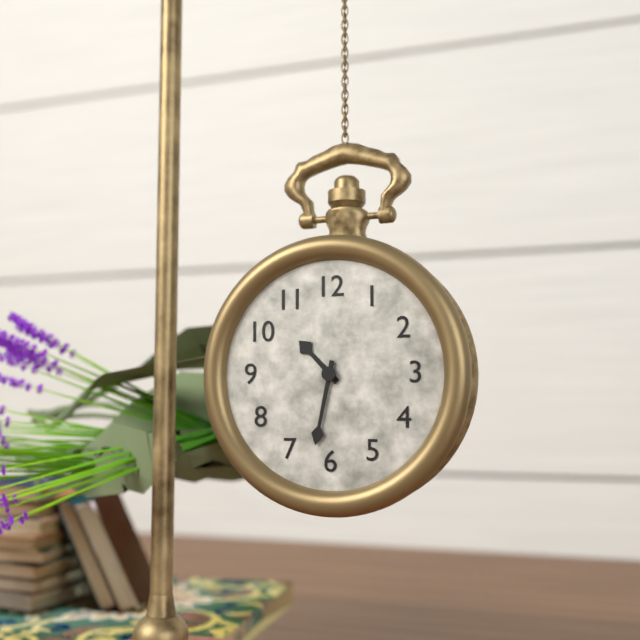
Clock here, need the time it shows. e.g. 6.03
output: 10.32
